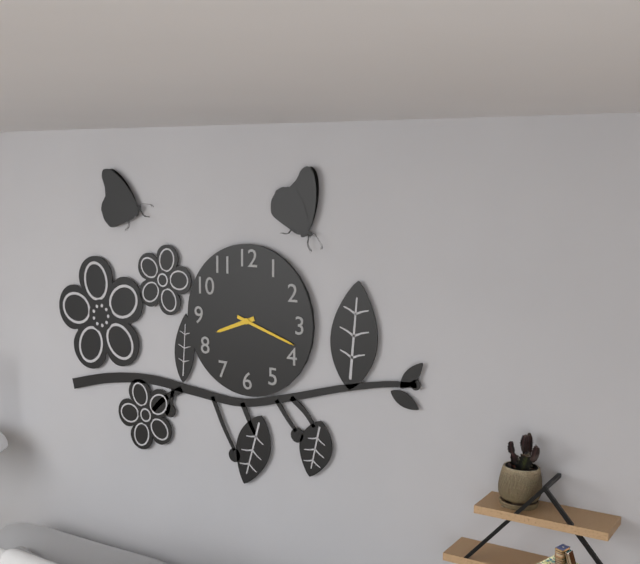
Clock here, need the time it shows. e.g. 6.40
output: 8.18
